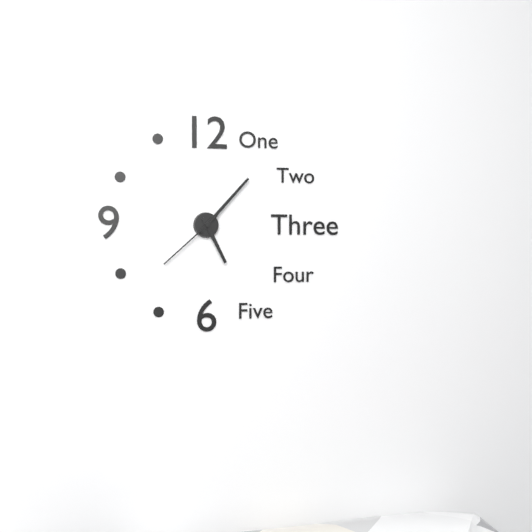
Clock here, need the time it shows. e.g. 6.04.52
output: 5.07.38
